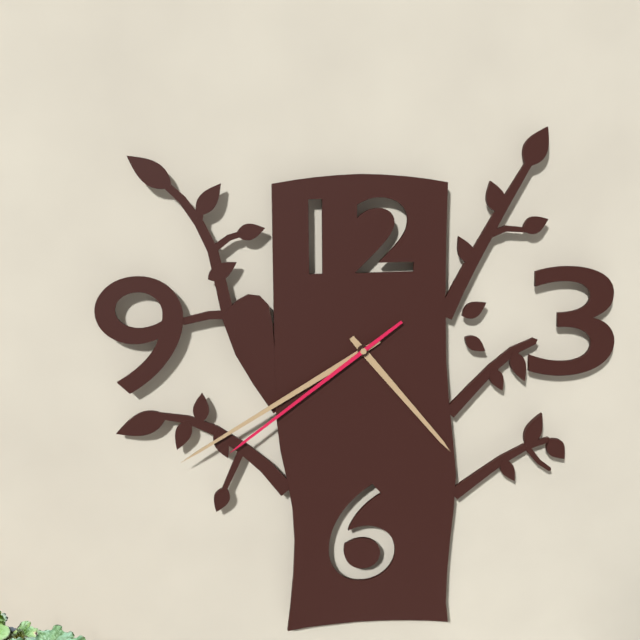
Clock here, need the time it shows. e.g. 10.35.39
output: 4.40.39
